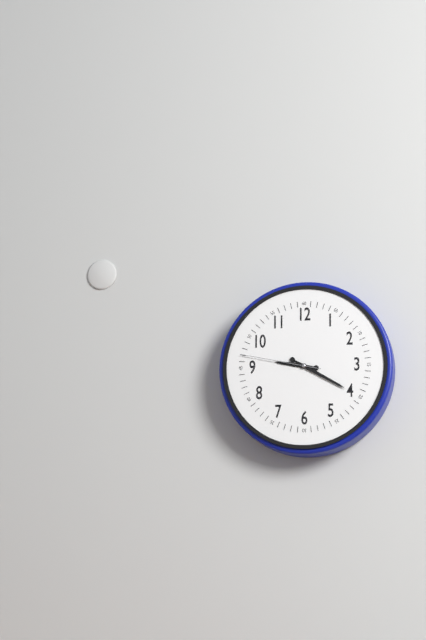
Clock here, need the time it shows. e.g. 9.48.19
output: 9.20.47
